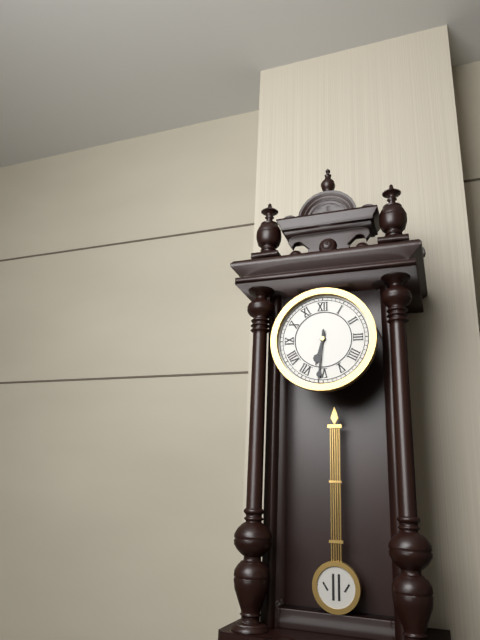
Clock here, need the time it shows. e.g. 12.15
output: 6.31
